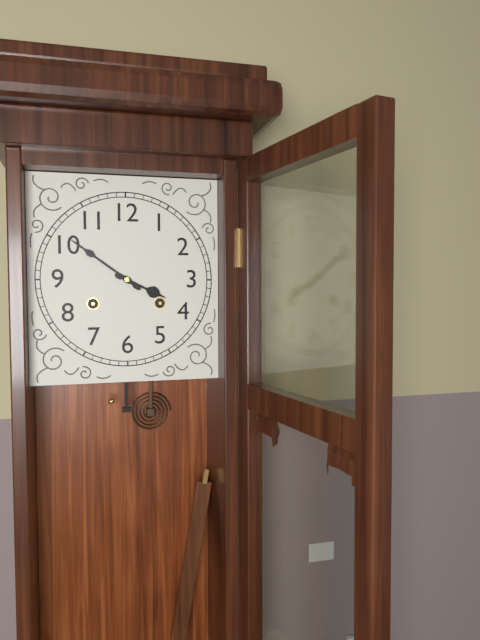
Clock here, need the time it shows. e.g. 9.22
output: 3.51
